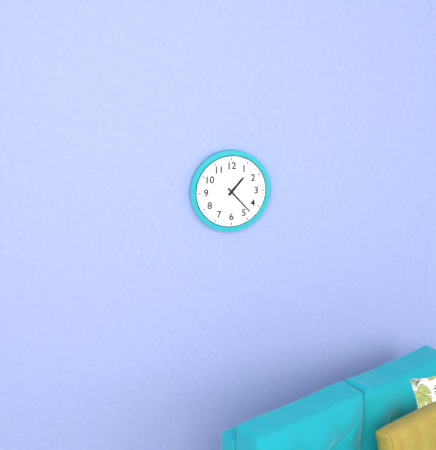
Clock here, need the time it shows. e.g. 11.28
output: 1.23
